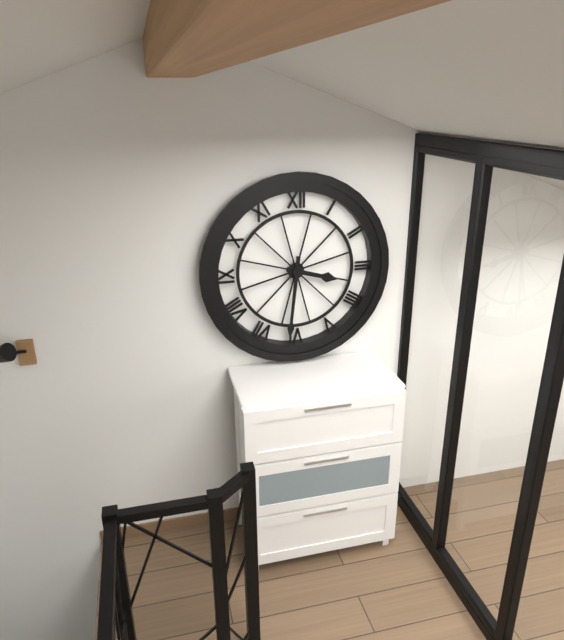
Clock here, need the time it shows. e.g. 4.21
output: 3.31
